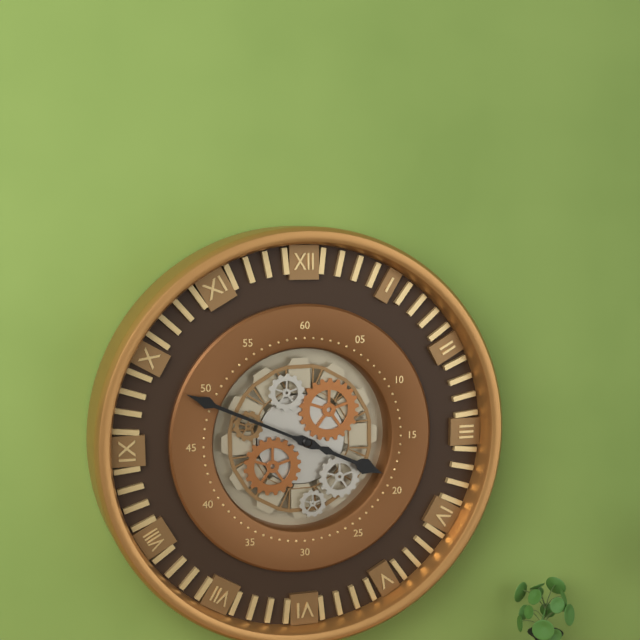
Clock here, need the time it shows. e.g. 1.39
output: 3.49
